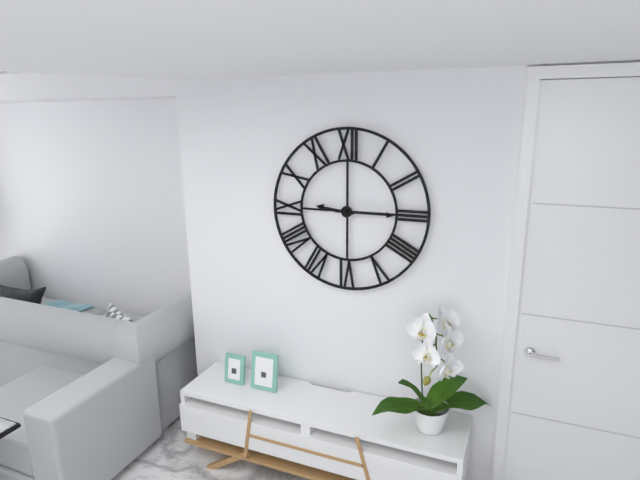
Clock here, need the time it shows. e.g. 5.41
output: 9.15
